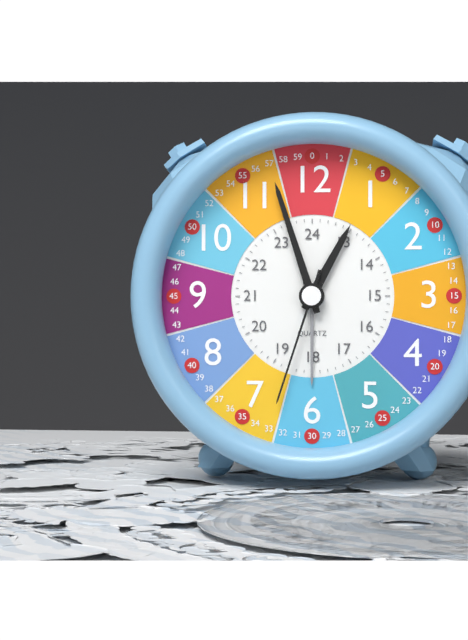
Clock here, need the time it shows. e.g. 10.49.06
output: 12.57.33
